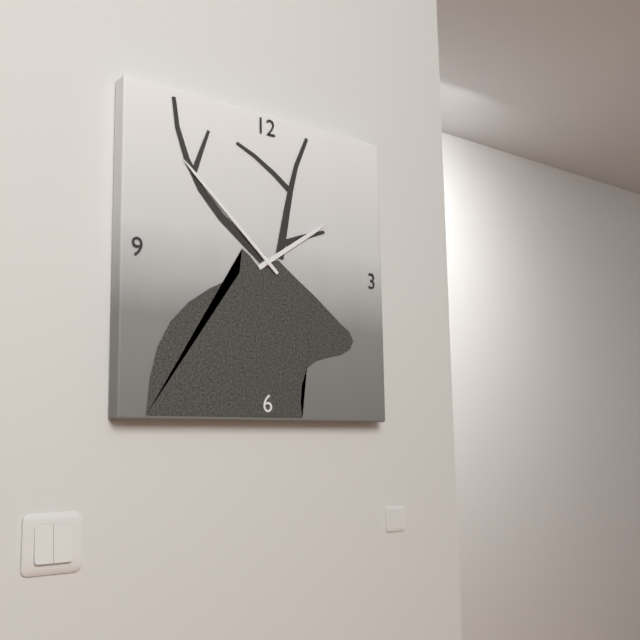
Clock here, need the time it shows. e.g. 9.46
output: 1.52
